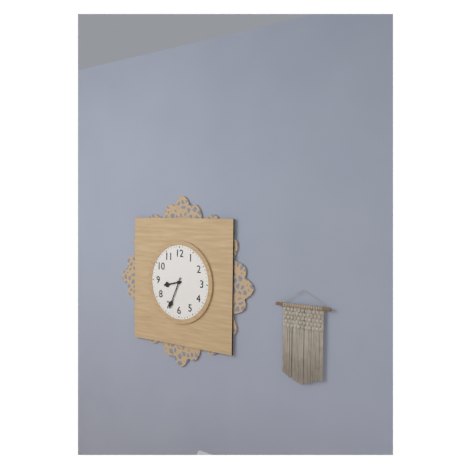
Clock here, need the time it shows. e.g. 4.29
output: 8.34
